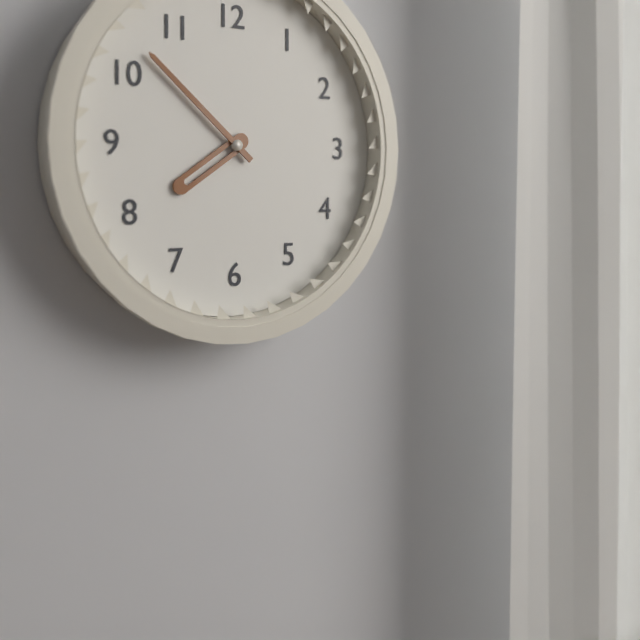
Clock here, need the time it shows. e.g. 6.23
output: 7.52
